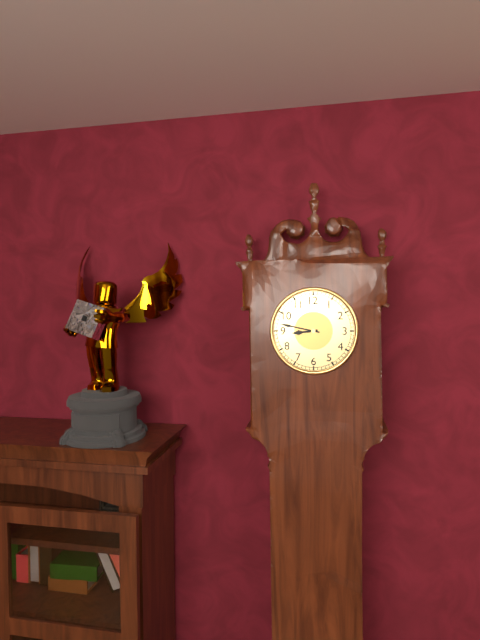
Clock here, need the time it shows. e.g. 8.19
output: 8.47
